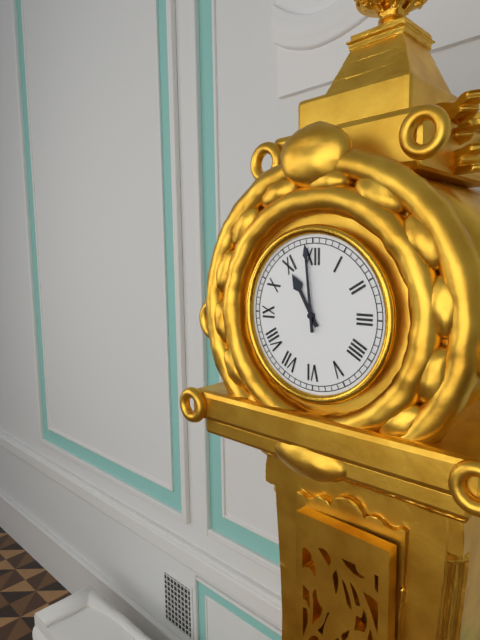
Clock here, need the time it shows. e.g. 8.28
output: 10.59
